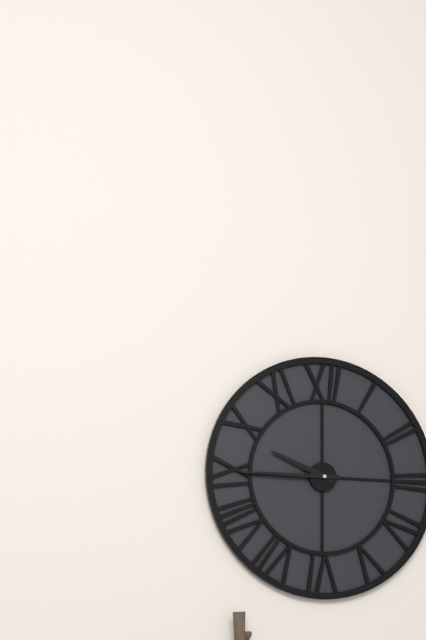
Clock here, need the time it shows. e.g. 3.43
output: 9.45
